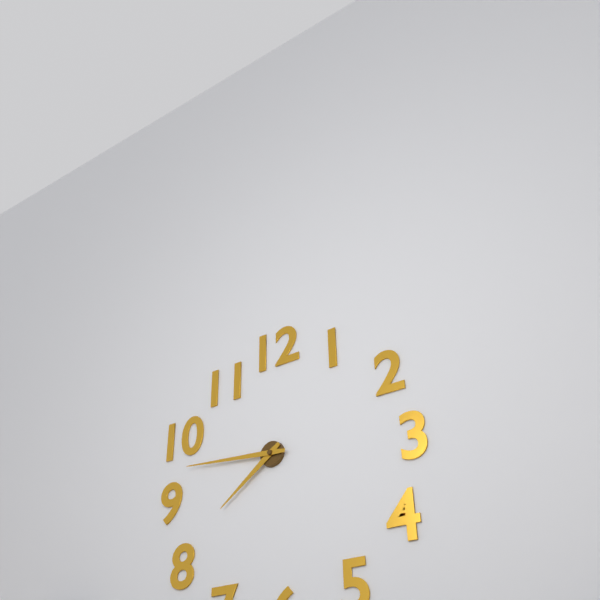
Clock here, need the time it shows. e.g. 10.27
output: 7.46
